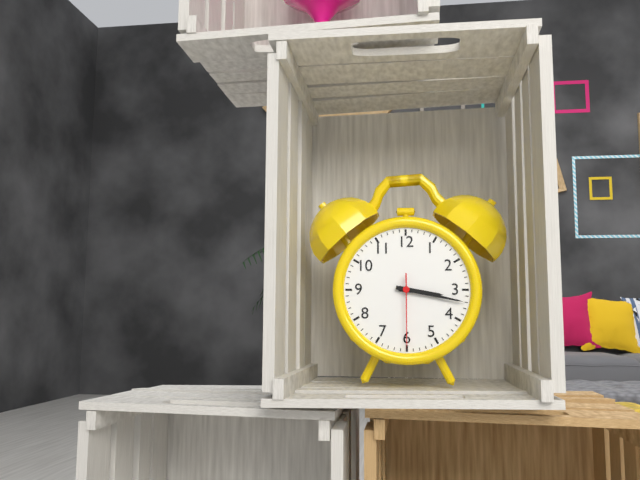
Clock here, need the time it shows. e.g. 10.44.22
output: 3.17.30
